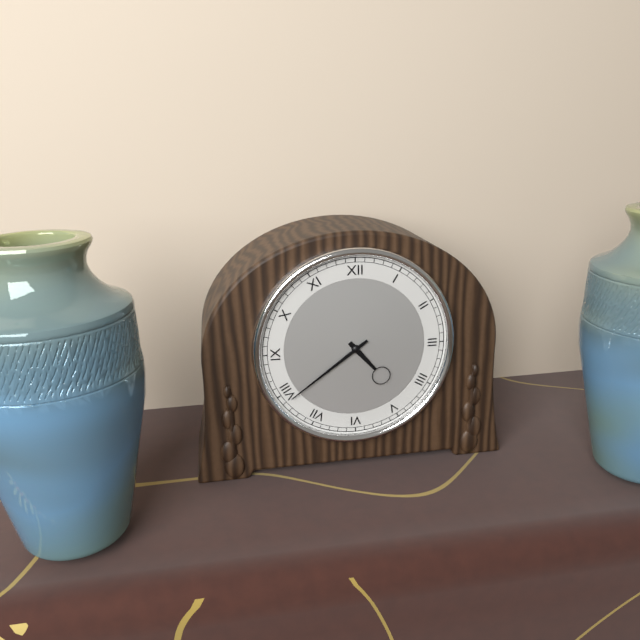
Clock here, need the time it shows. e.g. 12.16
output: 4.39
